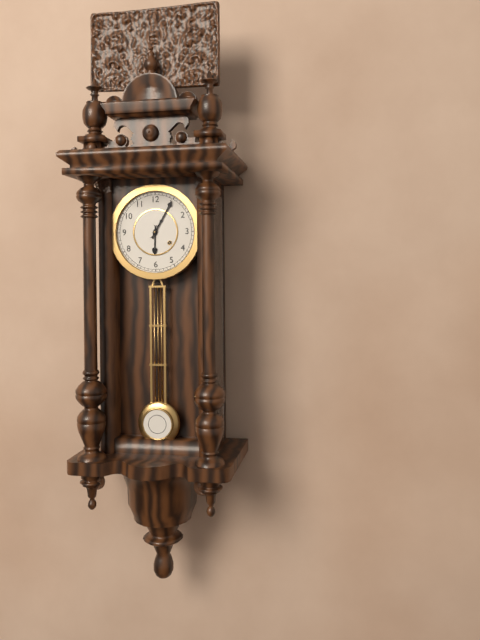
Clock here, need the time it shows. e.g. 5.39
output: 6.05
